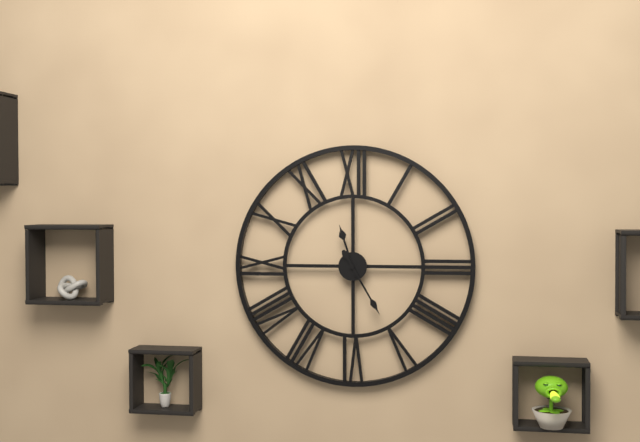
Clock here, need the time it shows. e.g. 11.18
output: 11.25
